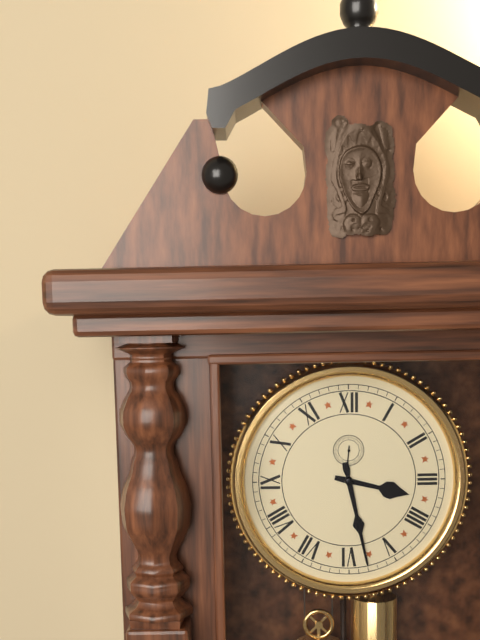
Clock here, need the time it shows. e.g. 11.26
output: 3.28
